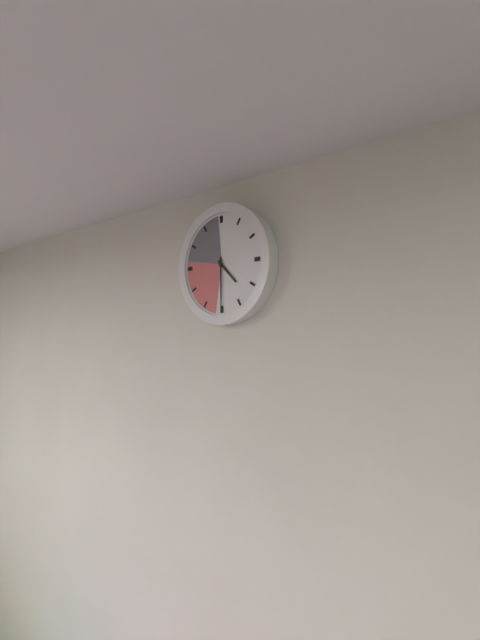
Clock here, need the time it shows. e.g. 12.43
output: 4.30
